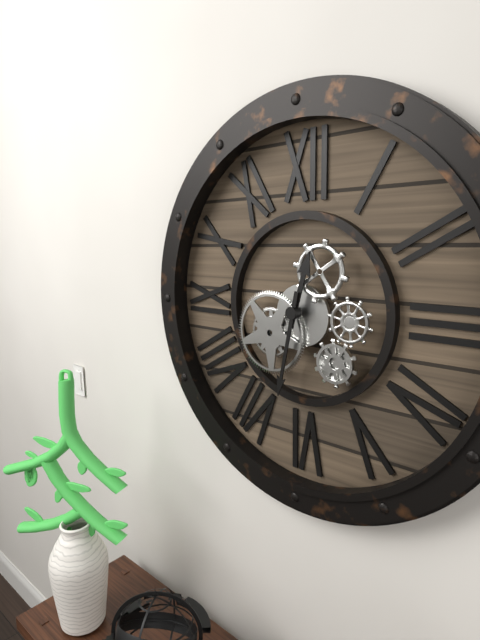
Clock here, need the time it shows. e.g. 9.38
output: 12.32
